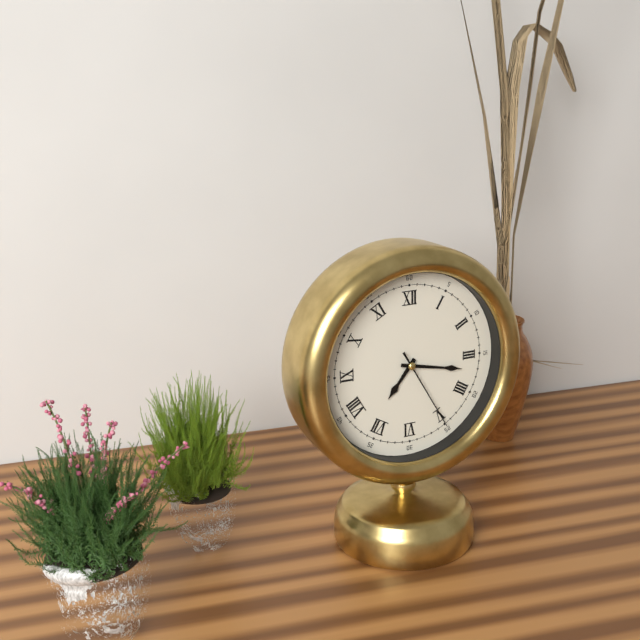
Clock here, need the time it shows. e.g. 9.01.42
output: 7.17.25
